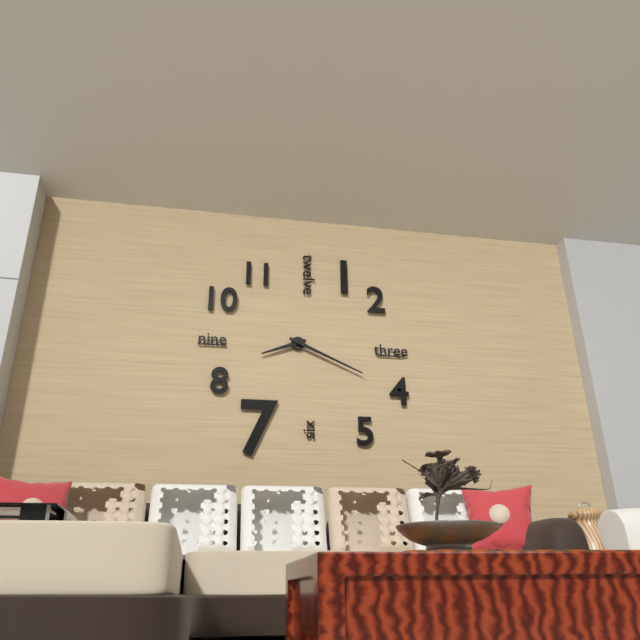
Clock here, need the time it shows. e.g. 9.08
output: 8.19
